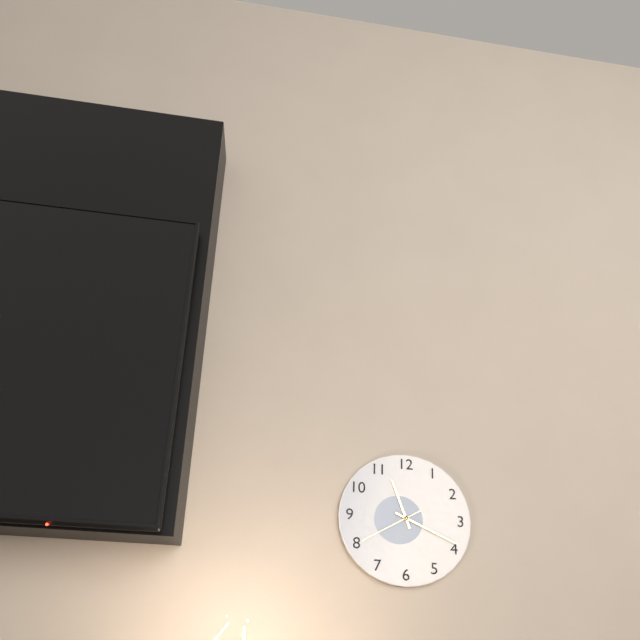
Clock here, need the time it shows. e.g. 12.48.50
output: 11.19.40
